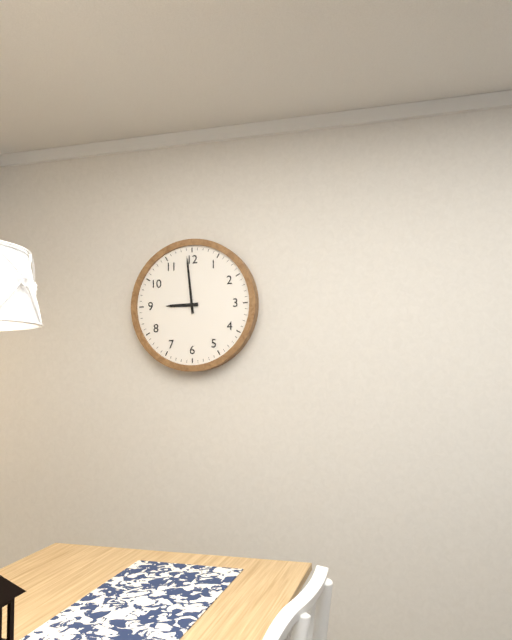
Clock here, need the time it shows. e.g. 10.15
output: 8.59
